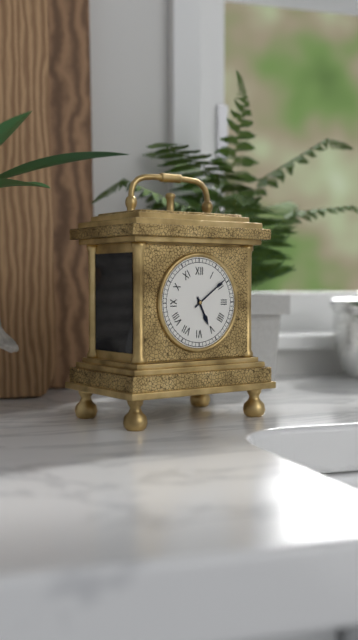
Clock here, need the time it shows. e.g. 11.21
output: 5.09
